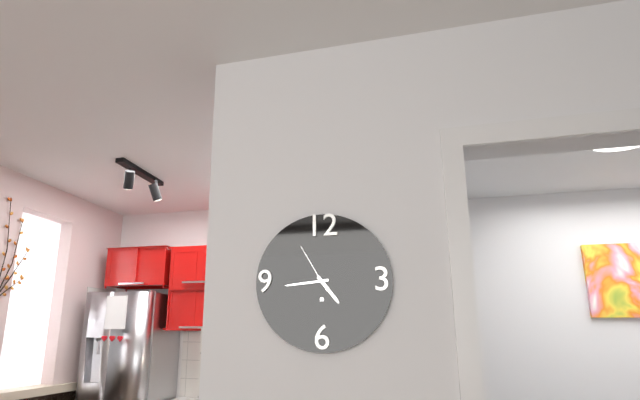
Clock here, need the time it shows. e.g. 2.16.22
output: 4.44.55
